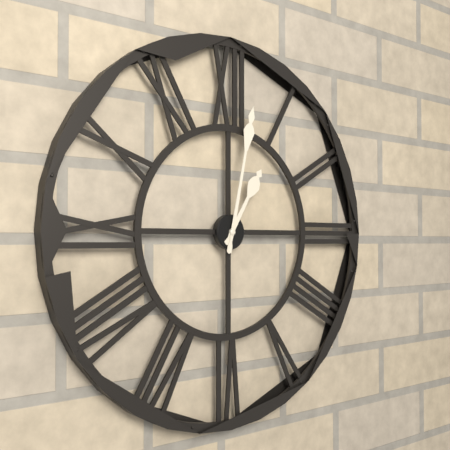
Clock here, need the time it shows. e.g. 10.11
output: 1.02
